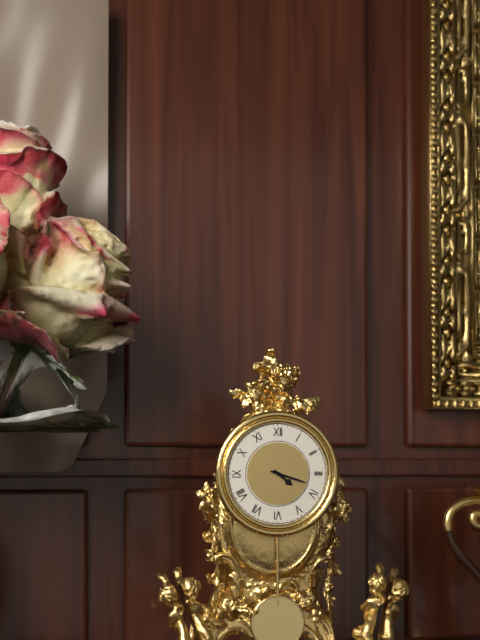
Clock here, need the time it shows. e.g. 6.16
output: 4.18
